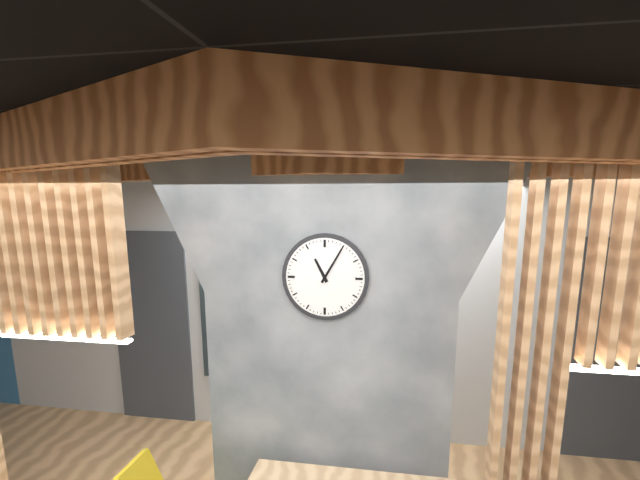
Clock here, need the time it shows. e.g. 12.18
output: 11.05
